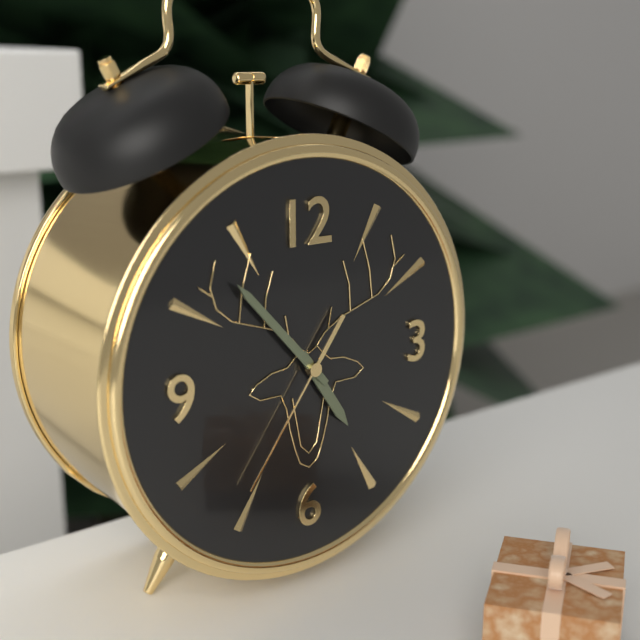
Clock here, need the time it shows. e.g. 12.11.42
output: 4.53.36
